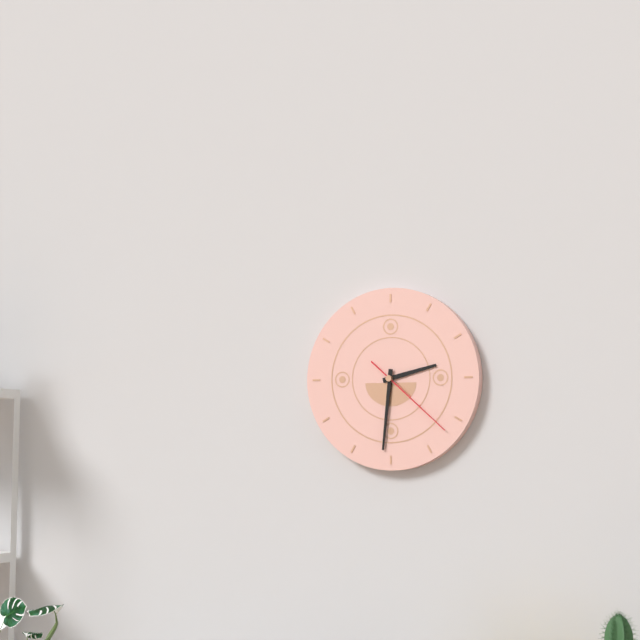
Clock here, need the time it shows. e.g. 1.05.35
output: 2.31.22
